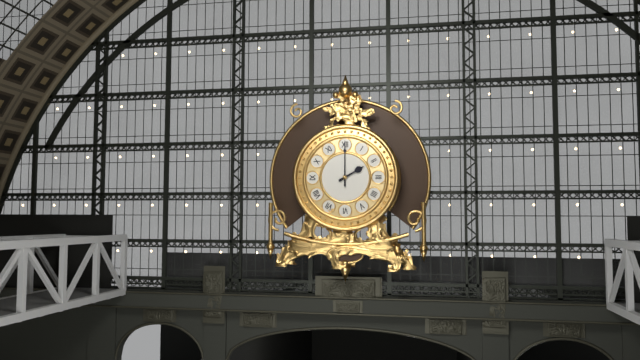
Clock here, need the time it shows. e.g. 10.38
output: 2.00
